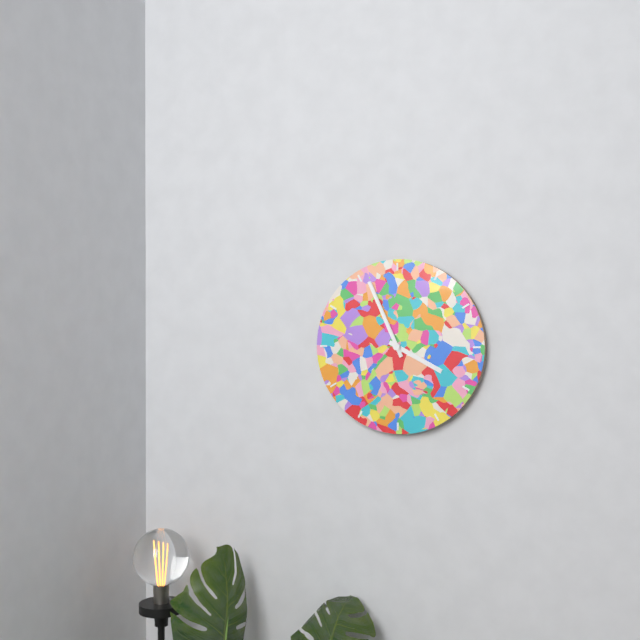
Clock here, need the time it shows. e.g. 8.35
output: 3.56
